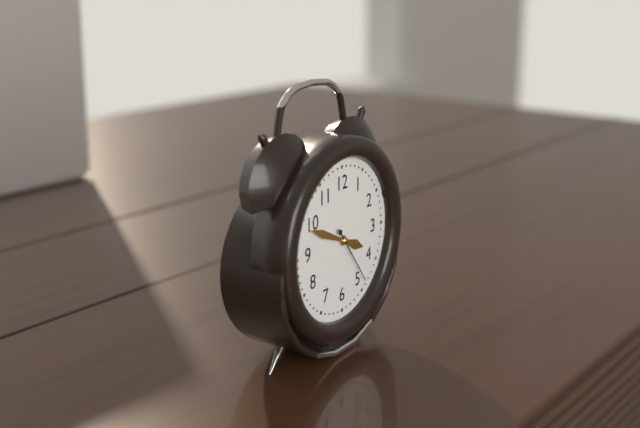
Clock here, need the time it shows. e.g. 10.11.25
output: 3.49.24
